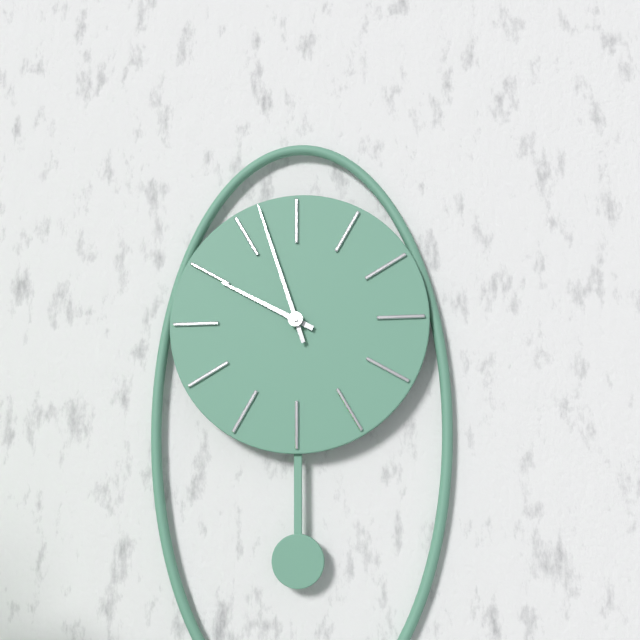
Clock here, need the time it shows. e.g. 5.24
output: 9.57
